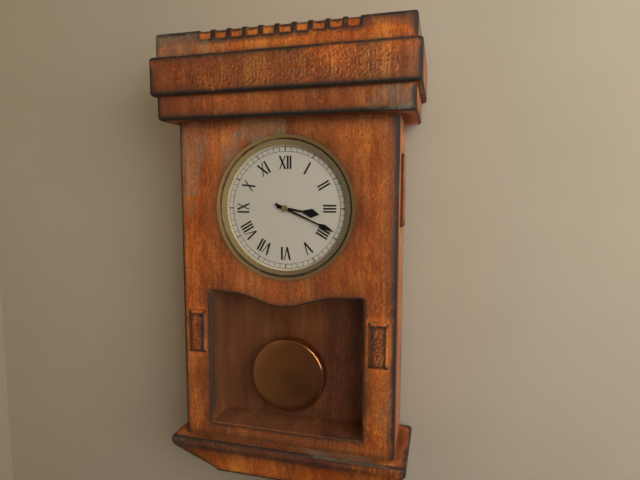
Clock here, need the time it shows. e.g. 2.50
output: 3.19
